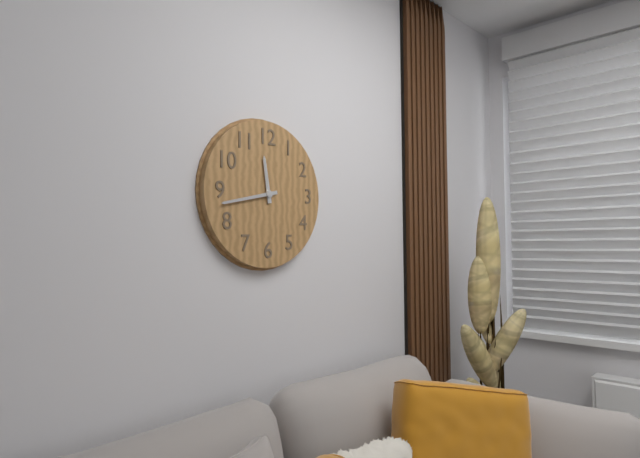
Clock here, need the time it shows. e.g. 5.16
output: 11.43
